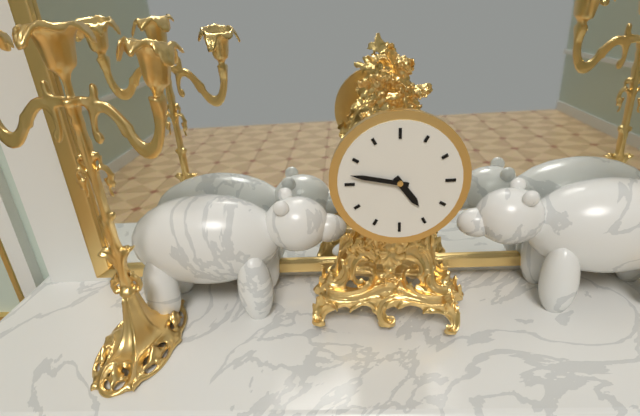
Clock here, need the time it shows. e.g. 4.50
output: 4.47
